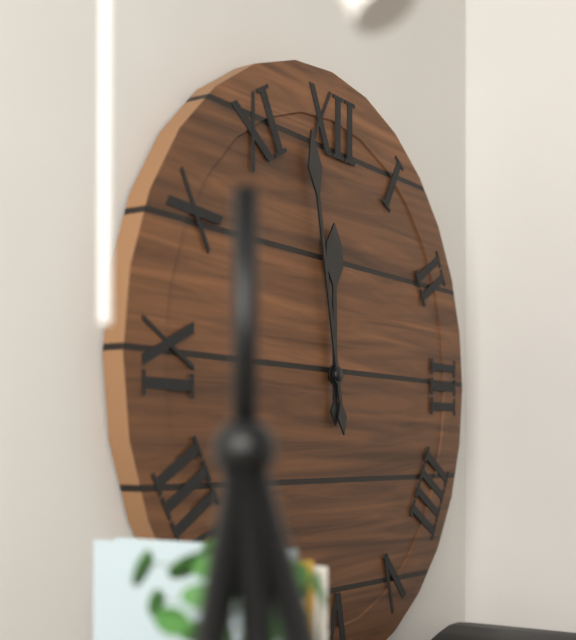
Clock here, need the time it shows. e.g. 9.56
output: 11.58
